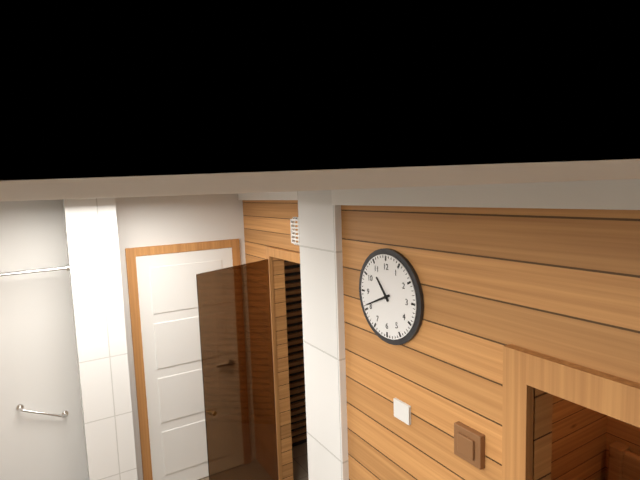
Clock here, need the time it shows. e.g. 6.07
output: 10.41
